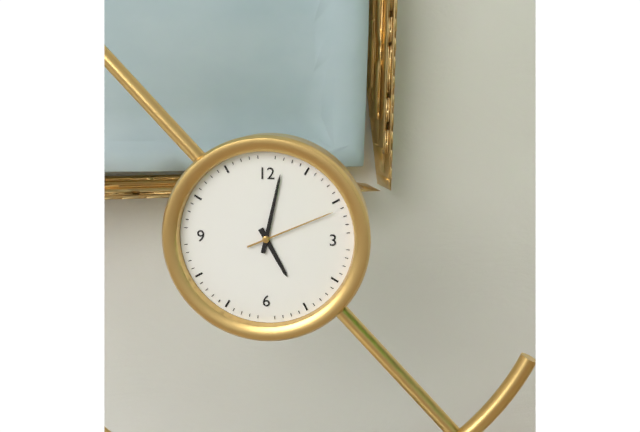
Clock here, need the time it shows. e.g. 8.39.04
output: 5.02.11
